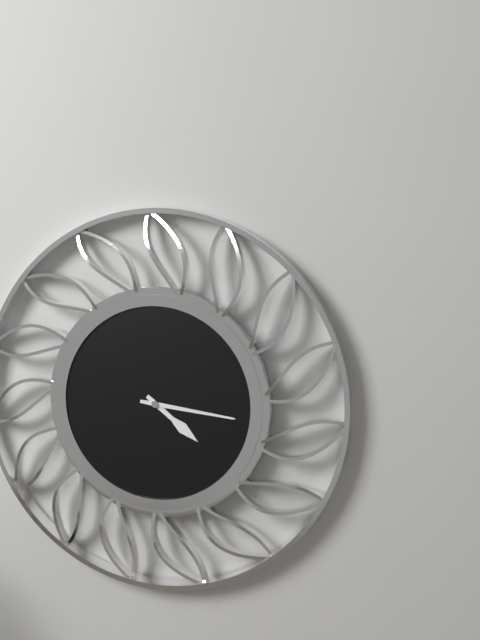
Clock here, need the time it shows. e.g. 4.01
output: 4.16
